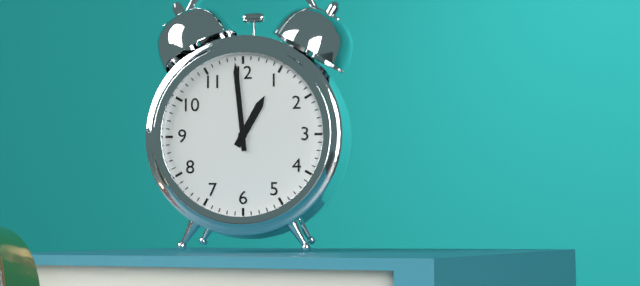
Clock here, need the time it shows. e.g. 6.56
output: 12.59
